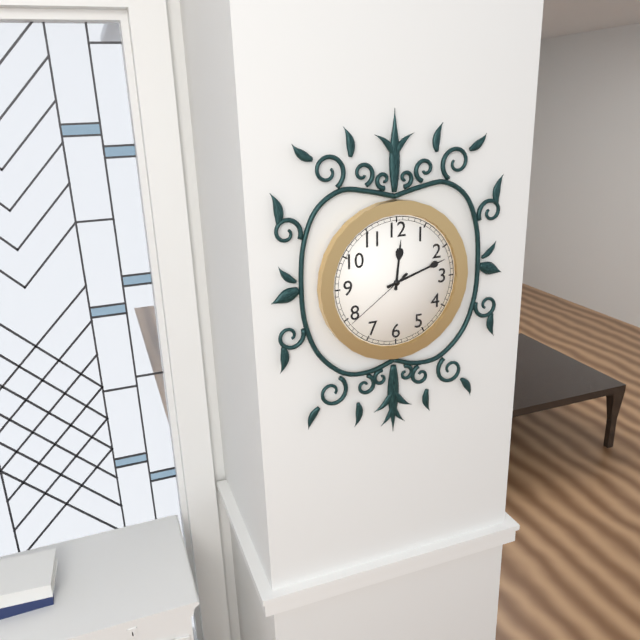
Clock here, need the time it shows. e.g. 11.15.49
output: 12.12.39
